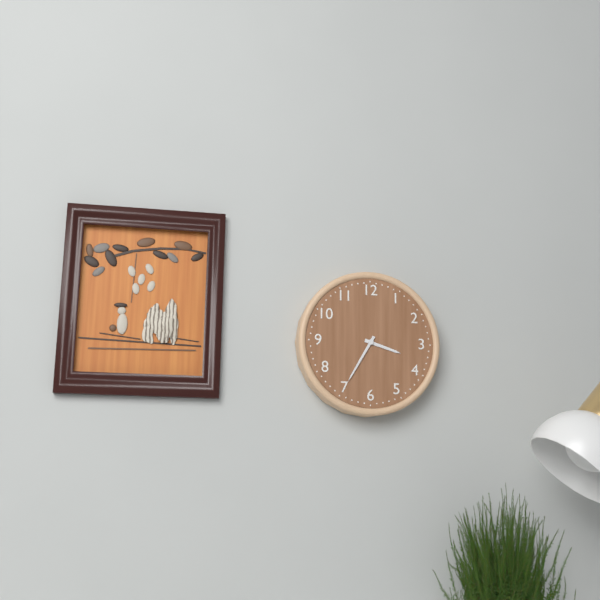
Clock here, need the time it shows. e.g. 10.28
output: 3.35
